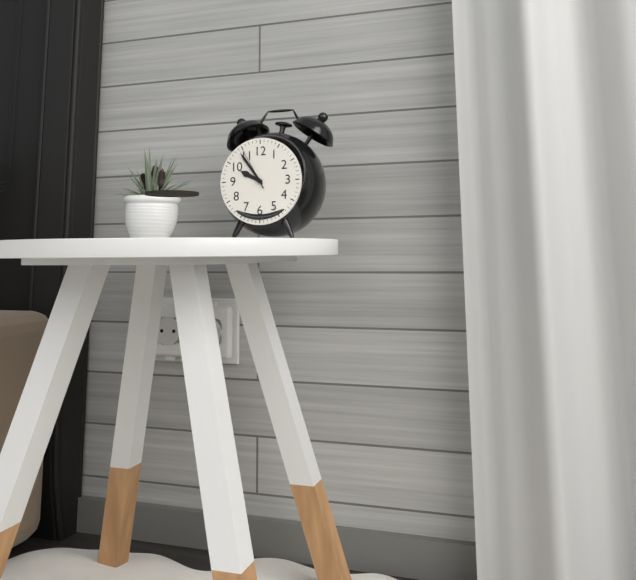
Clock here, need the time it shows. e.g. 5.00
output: 9.54
